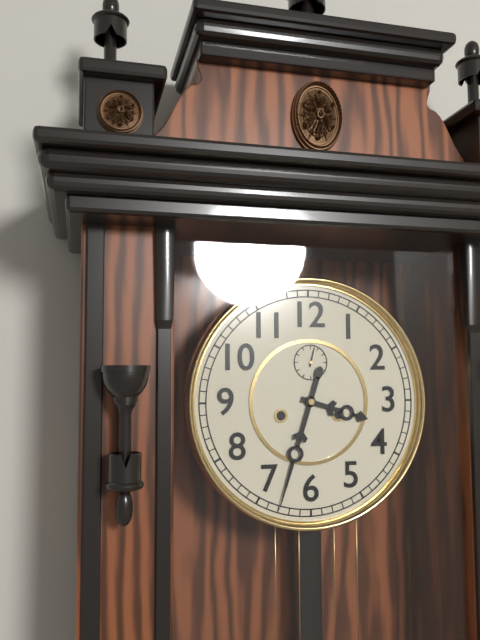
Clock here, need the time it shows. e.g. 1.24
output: 3.33
